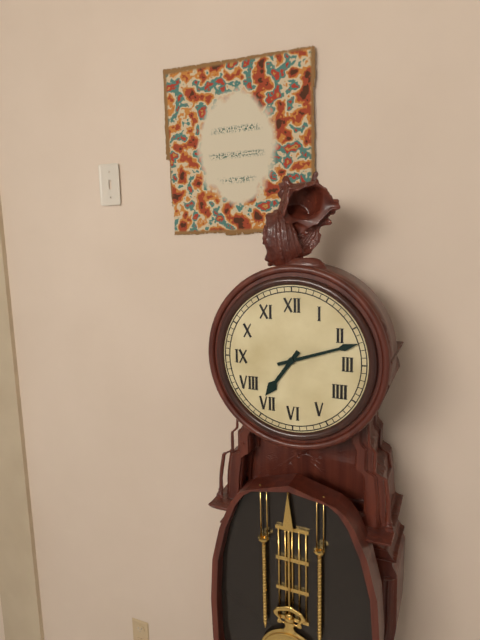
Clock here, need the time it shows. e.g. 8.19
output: 7.12
